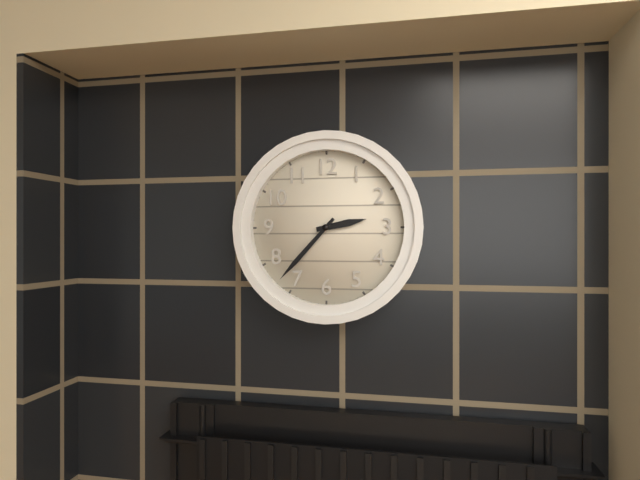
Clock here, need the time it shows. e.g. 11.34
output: 2.37
